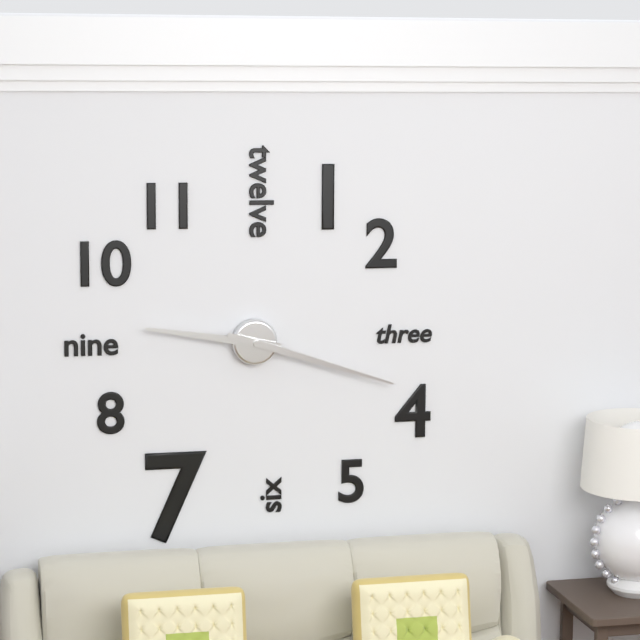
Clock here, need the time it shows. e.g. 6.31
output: 9.18
